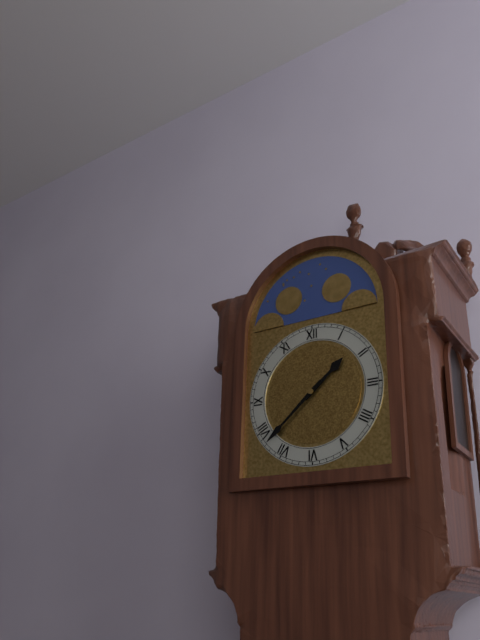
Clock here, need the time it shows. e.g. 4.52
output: 1.38
